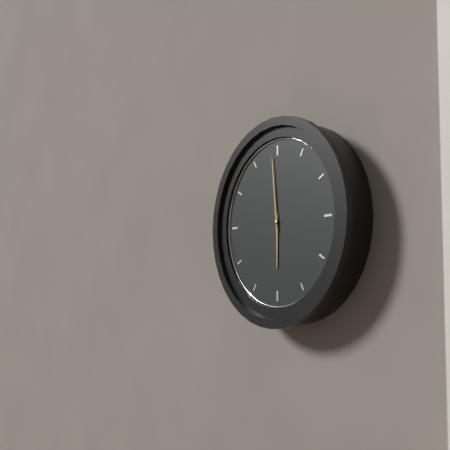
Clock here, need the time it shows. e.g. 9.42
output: 5.59
